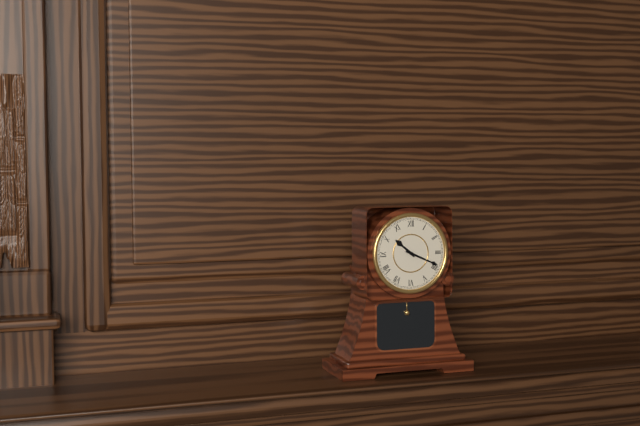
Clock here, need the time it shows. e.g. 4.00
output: 10.19
